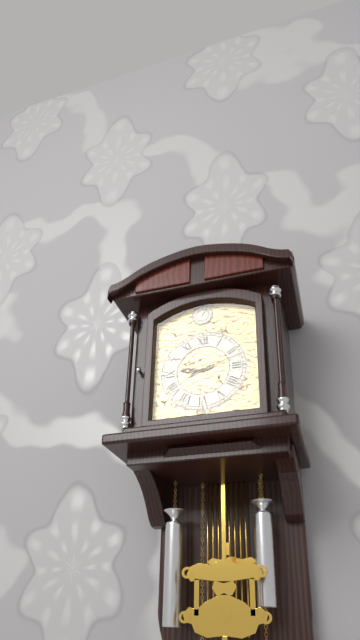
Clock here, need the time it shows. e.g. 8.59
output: 9.12
